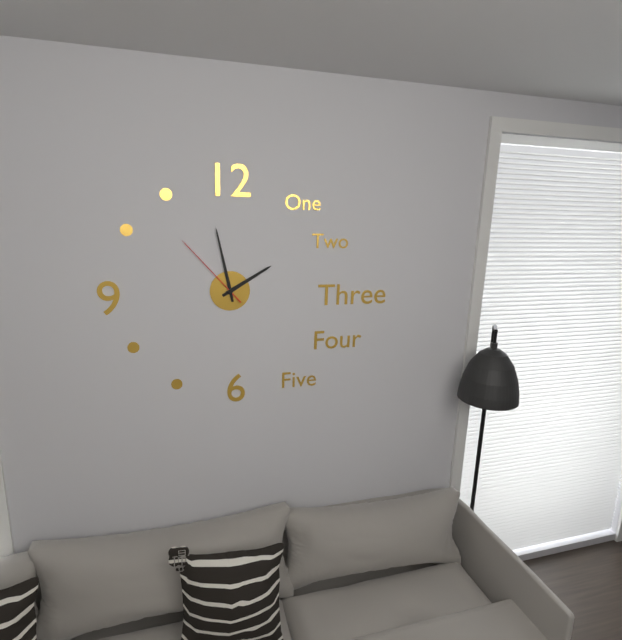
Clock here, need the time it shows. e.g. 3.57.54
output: 1.58.53
